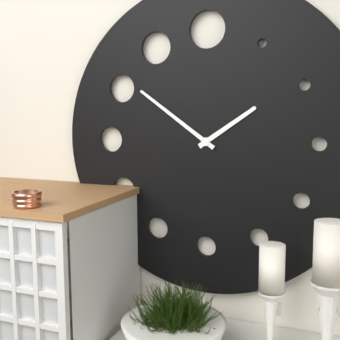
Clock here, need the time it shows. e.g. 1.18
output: 1.51
